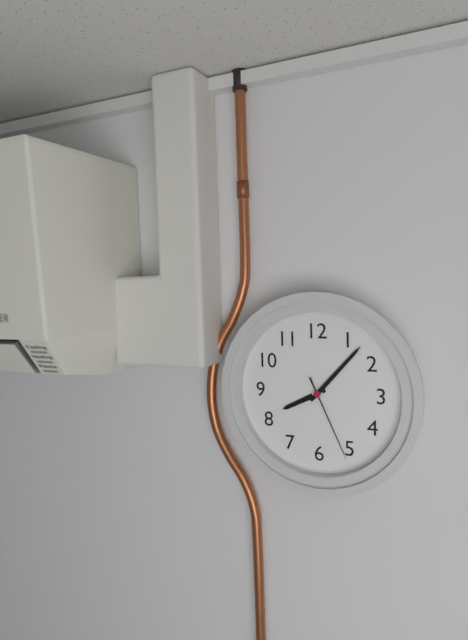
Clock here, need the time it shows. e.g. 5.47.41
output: 8.07.26
